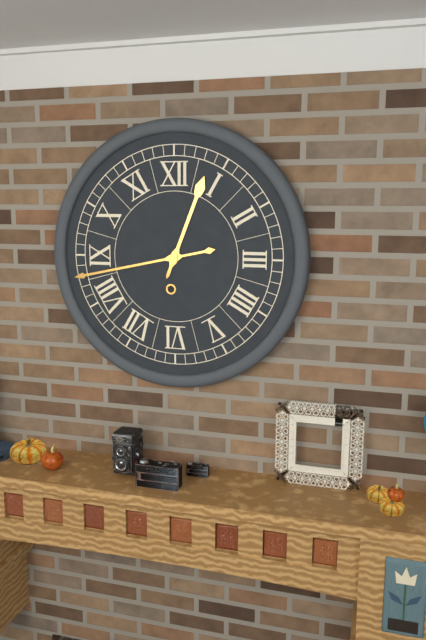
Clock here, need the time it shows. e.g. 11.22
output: 12.43
